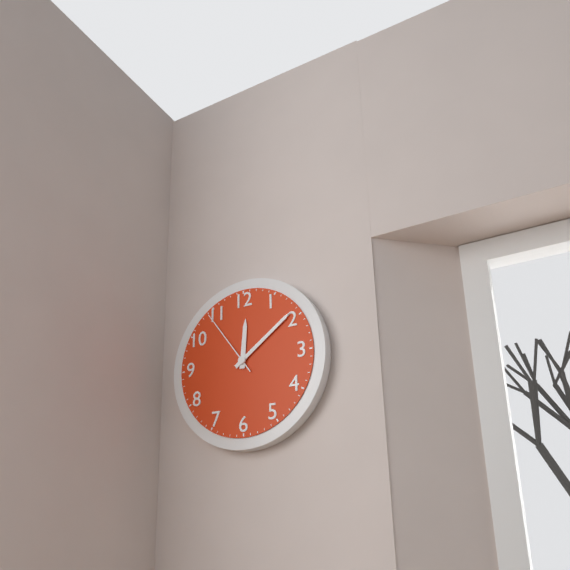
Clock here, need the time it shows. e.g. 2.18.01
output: 12.09.54
